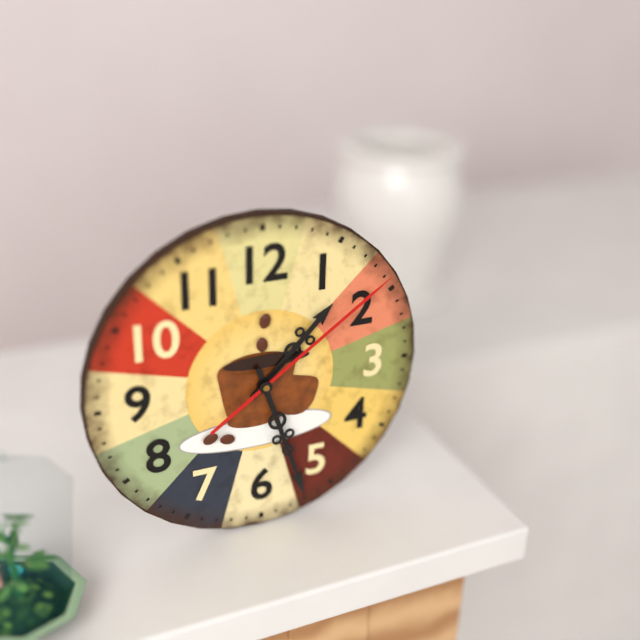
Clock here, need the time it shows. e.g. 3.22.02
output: 1.27.09
